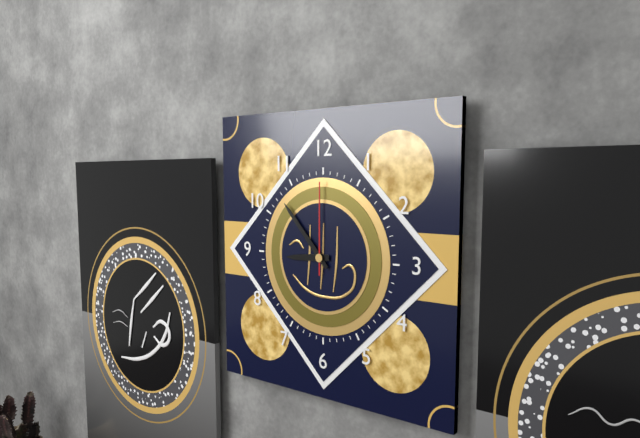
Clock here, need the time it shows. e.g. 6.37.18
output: 8.53.00
